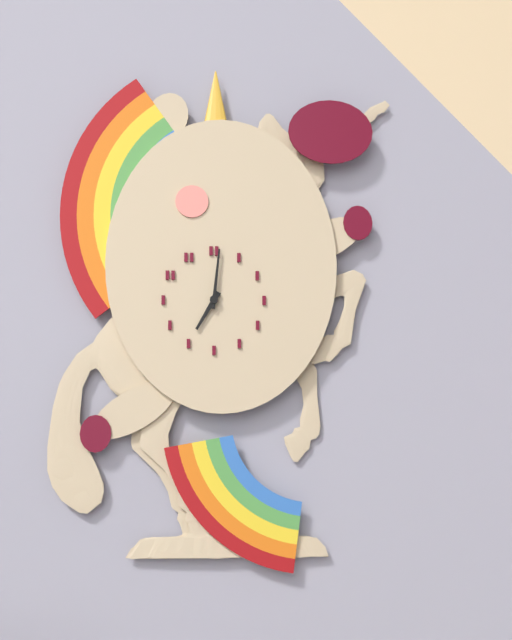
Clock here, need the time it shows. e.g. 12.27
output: 7.01
